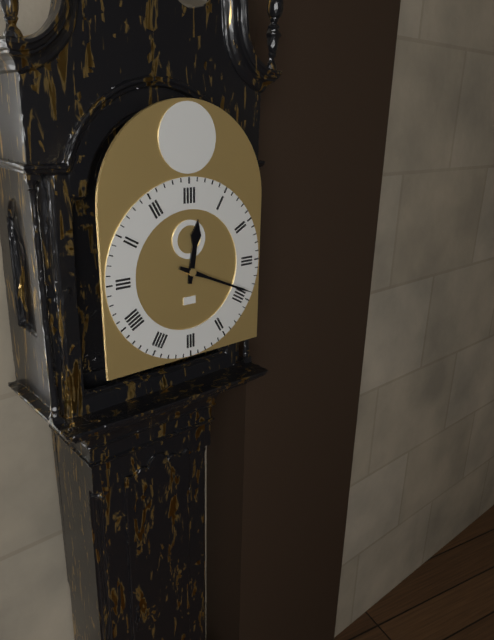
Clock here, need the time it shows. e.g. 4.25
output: 12.19
